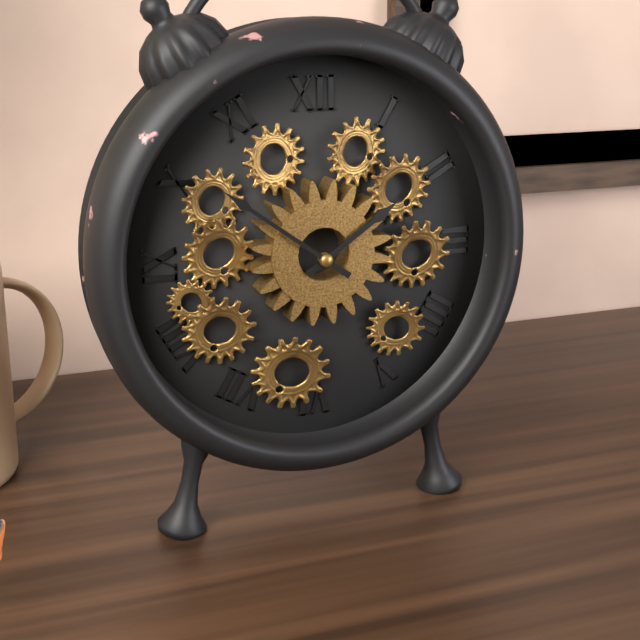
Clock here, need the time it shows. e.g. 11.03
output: 1.51
